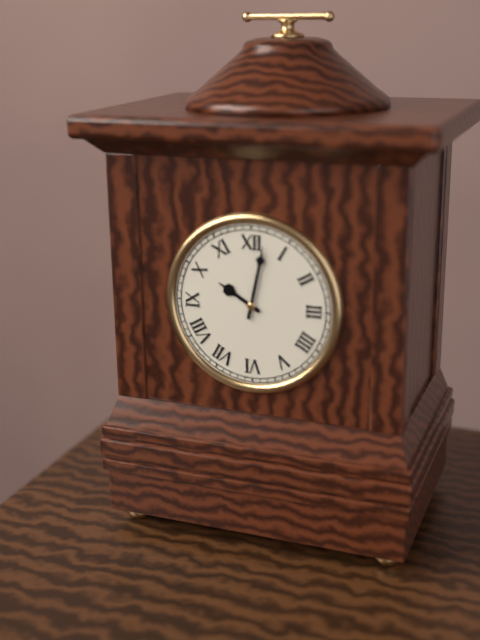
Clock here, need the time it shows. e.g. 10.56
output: 10.02
